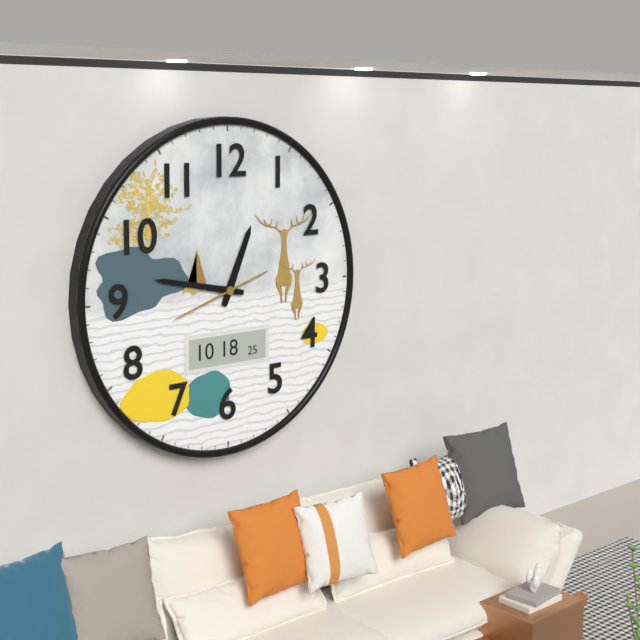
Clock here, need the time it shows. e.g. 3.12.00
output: 12.47.42
